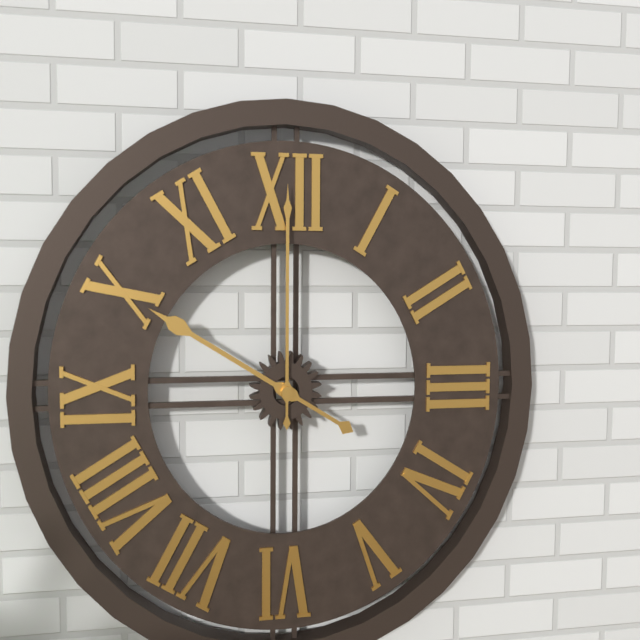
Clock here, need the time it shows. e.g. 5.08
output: 10.00
